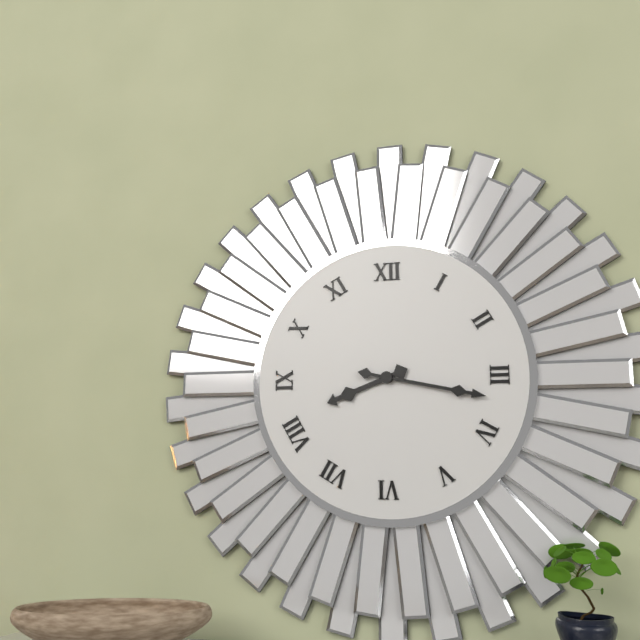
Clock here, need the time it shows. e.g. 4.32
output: 8.17
